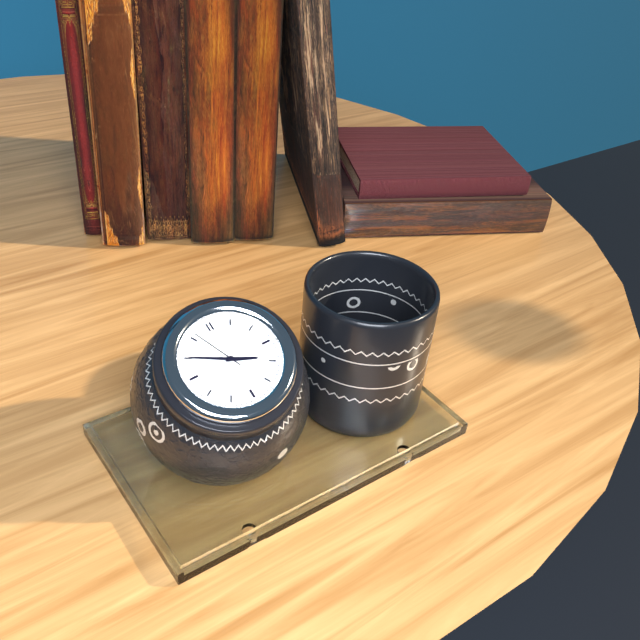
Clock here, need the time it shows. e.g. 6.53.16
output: 3.50.56
